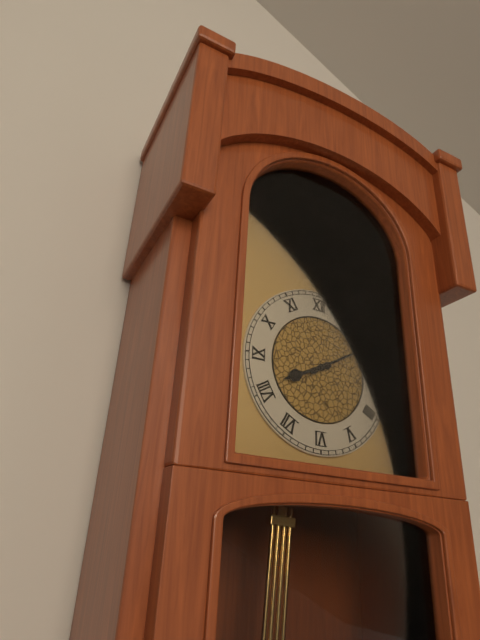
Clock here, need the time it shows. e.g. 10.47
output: 8.10
